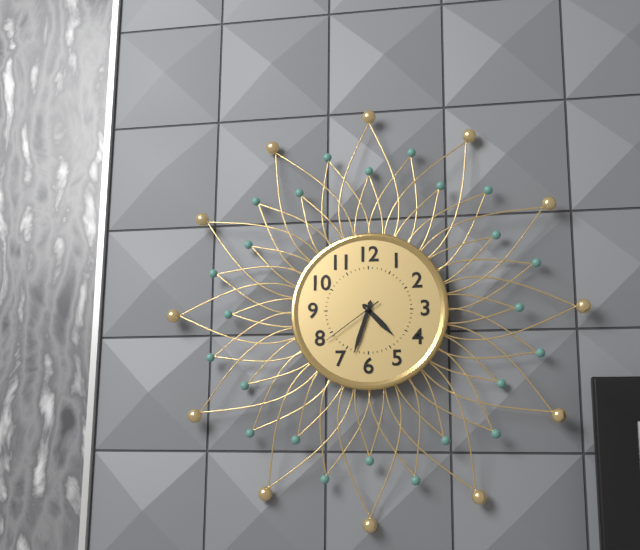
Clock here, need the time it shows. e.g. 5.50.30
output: 4.33.39
